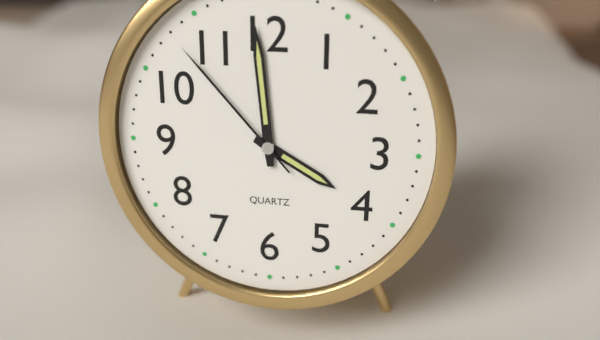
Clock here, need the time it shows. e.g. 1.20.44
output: 3.59.53
